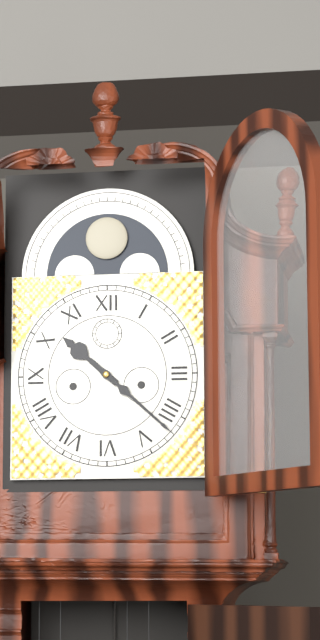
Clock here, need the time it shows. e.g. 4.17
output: 10.22
